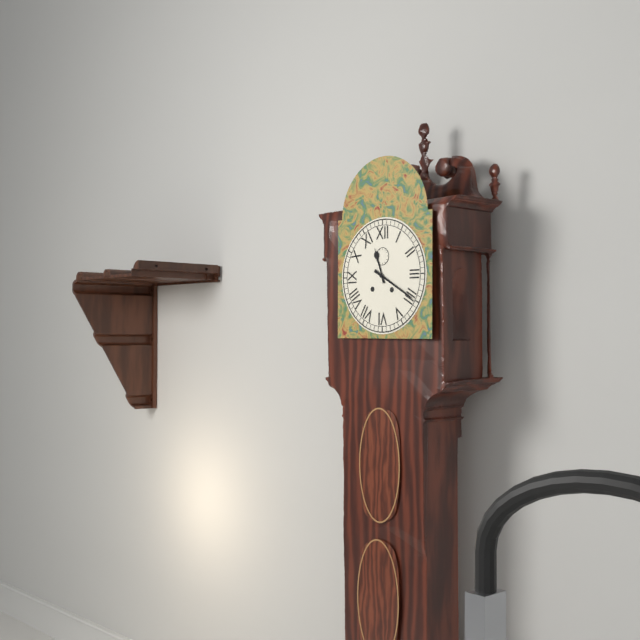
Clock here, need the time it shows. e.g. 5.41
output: 11.20
